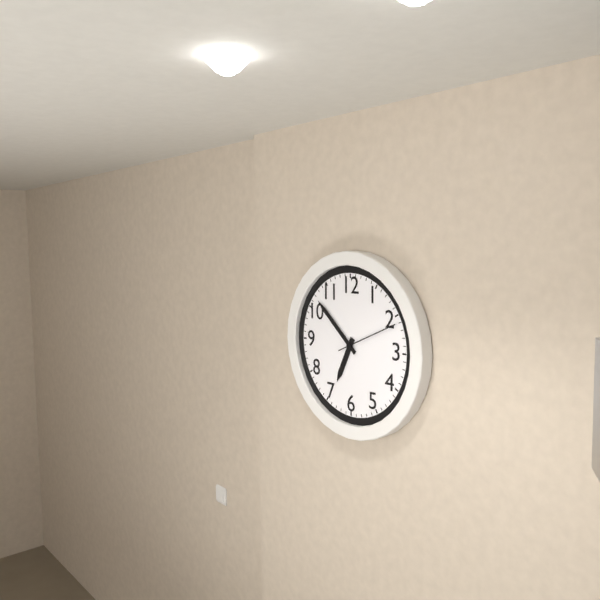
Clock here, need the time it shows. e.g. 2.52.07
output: 6.52.11
